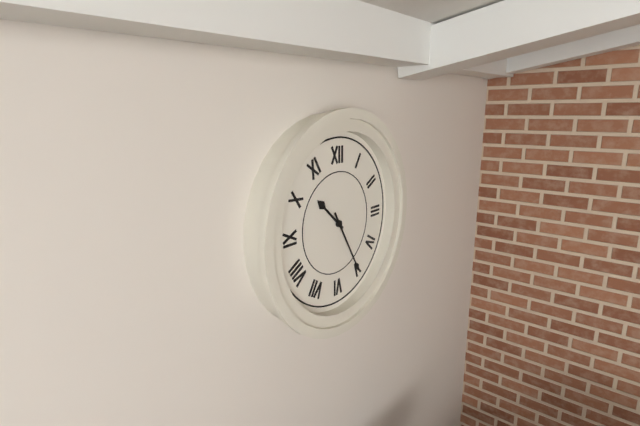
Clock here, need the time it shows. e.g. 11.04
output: 10.25
